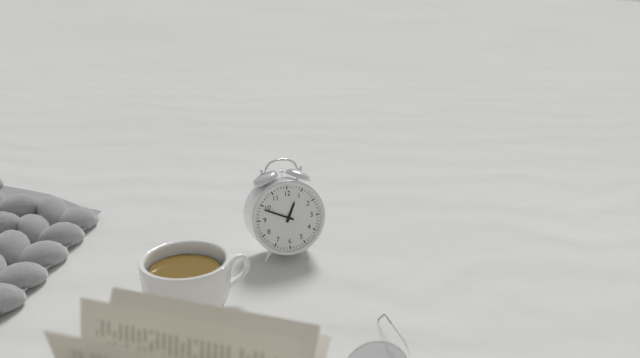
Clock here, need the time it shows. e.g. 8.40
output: 12.49
